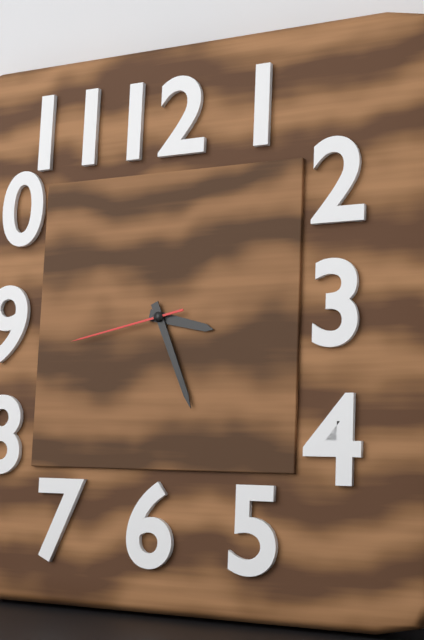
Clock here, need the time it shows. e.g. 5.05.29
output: 3.26.43
